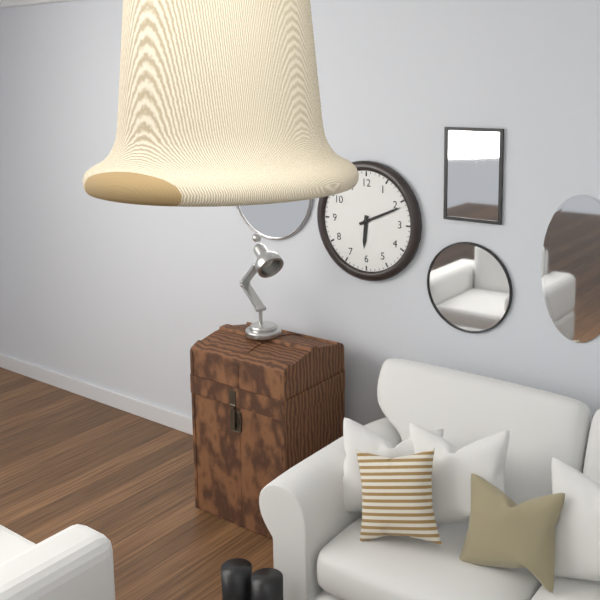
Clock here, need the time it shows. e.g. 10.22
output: 6.11
